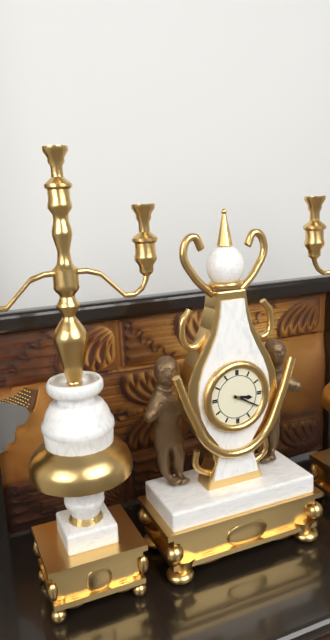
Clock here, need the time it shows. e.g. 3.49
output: 3.20
